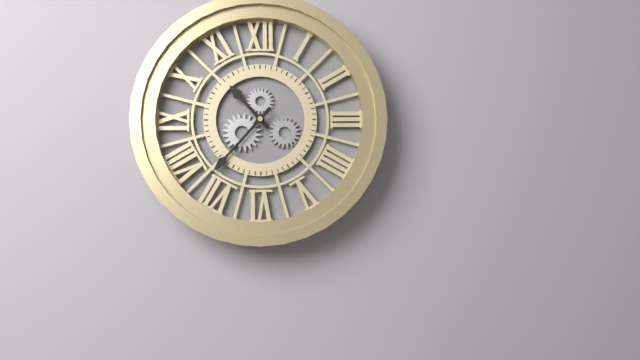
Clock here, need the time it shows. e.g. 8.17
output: 10.37
